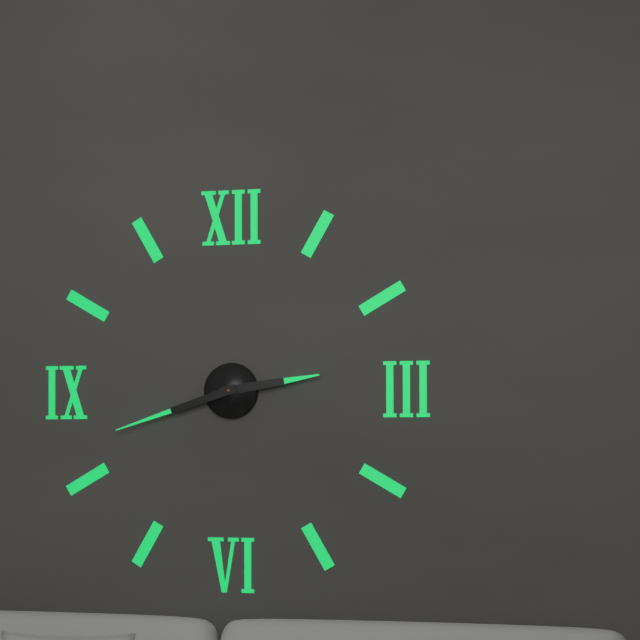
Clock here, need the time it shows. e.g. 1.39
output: 2.42
